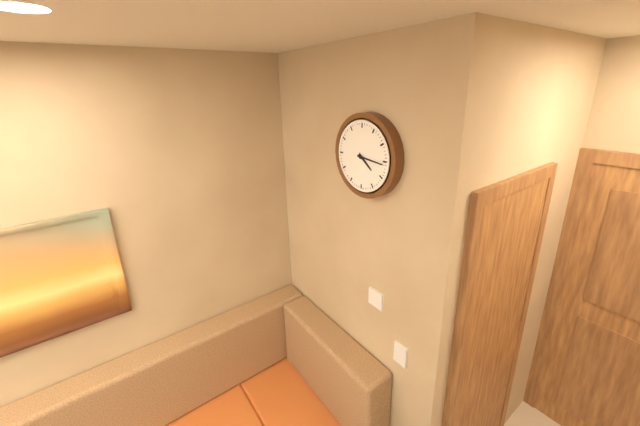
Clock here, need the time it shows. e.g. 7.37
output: 4.16
